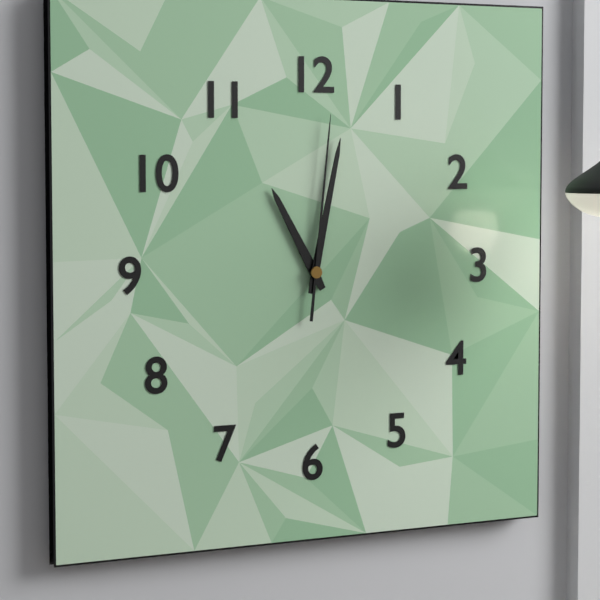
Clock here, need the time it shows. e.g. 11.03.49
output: 11.02.01
